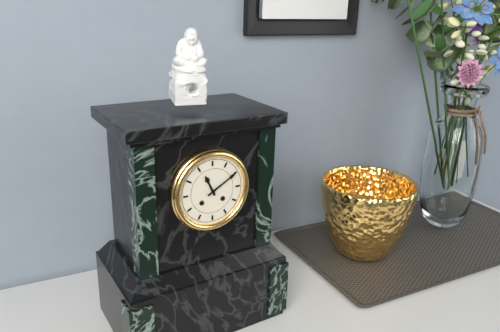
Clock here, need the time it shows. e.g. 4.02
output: 11.10
